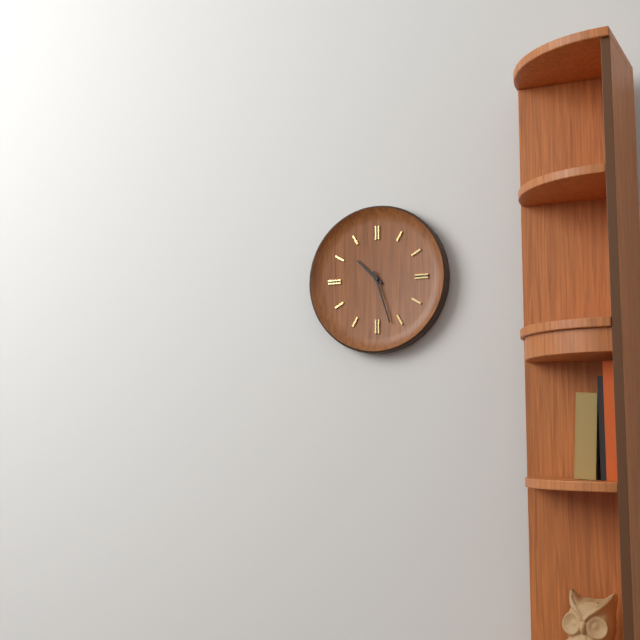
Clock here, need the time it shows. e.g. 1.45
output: 10.27
